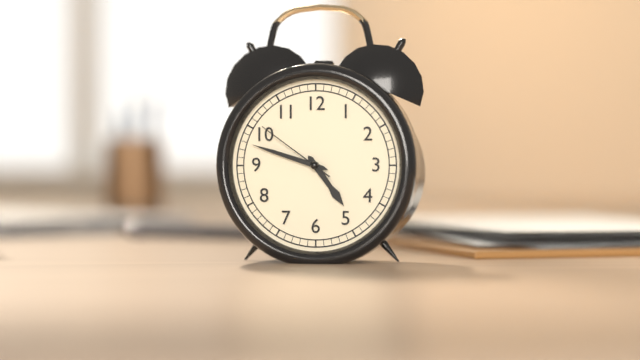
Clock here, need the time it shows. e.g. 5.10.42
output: 4.48.51
